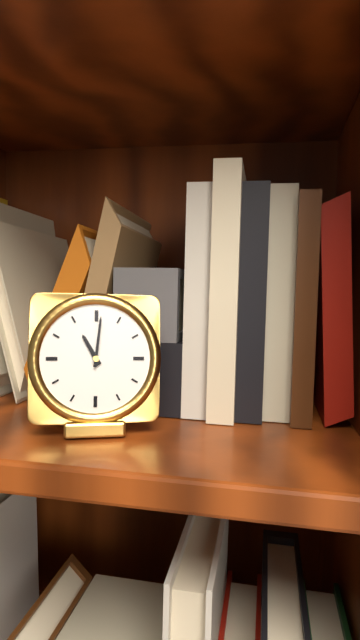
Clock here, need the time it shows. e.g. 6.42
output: 11.01
